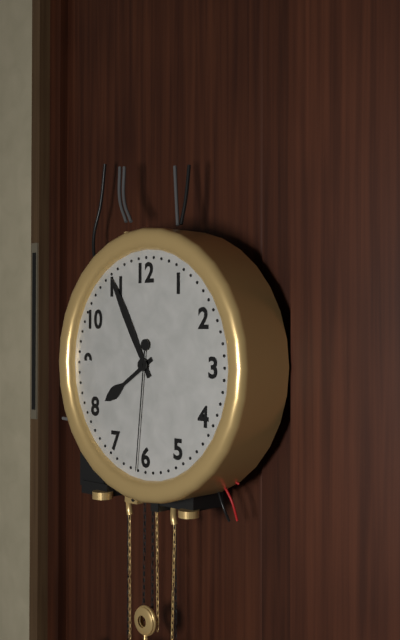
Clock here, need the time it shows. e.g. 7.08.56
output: 7.55.31
